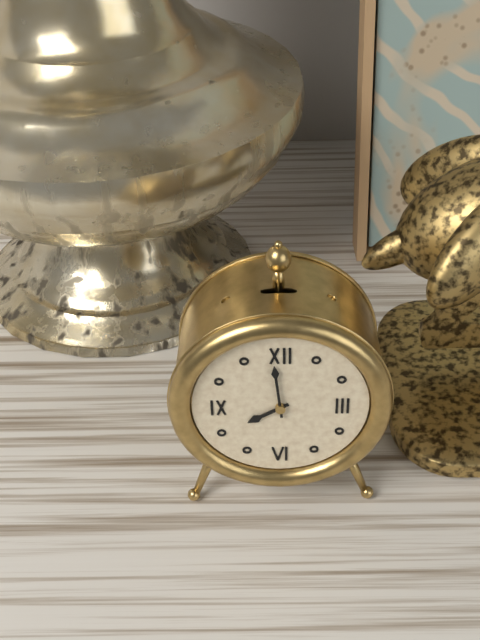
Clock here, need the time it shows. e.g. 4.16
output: 7.59
